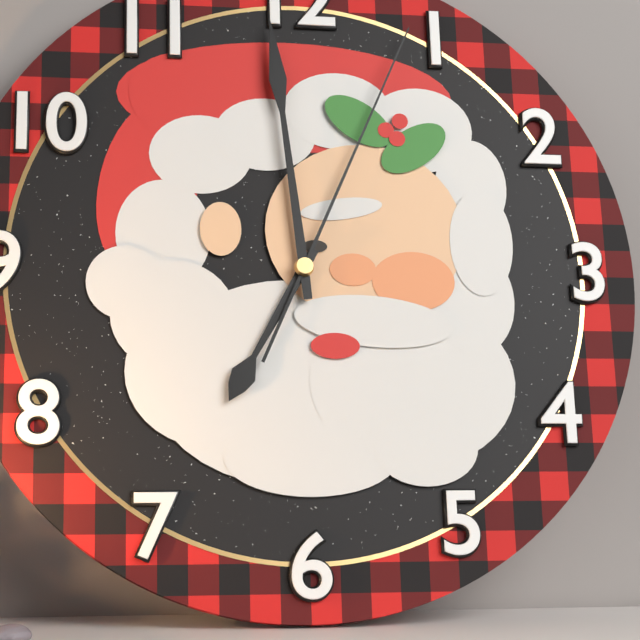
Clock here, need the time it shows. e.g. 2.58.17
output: 6.59.04
